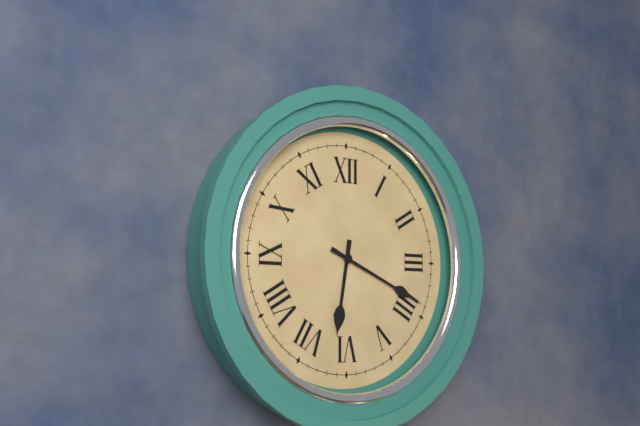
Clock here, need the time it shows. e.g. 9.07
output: 6.19
